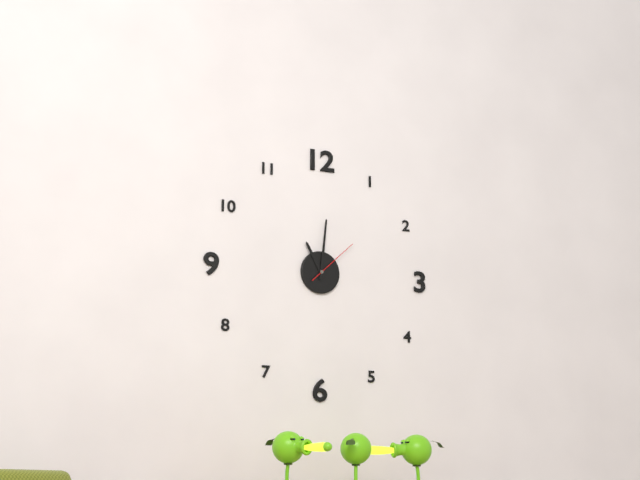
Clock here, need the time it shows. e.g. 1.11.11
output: 11.01.08
